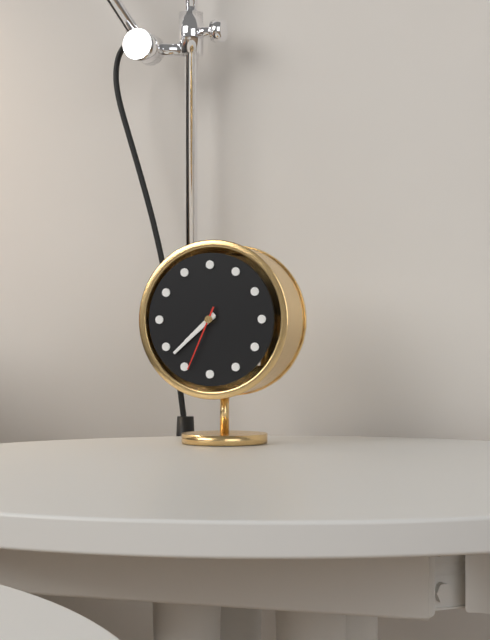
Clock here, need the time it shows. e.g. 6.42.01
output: 7.38.34
